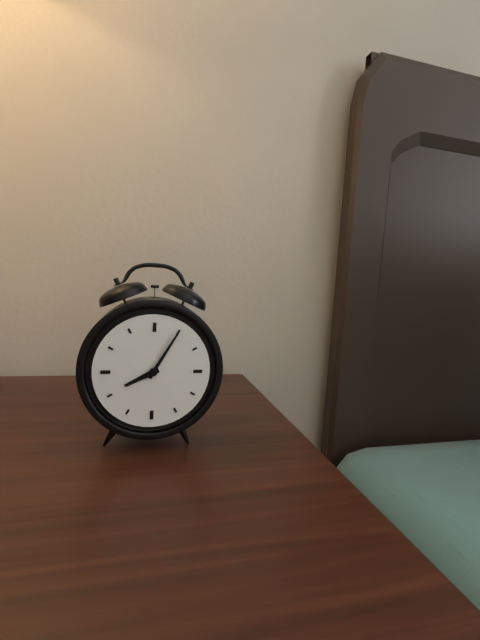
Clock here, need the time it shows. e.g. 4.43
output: 8.05
